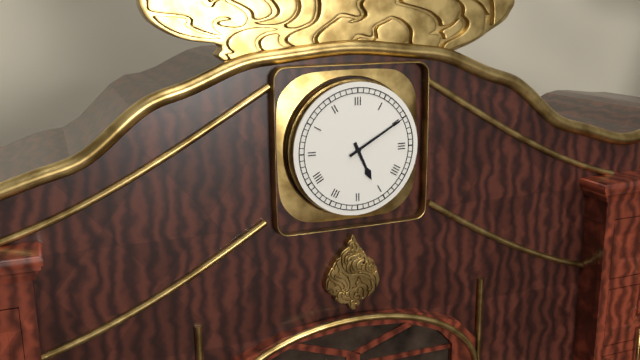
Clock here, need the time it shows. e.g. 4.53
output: 5.10
